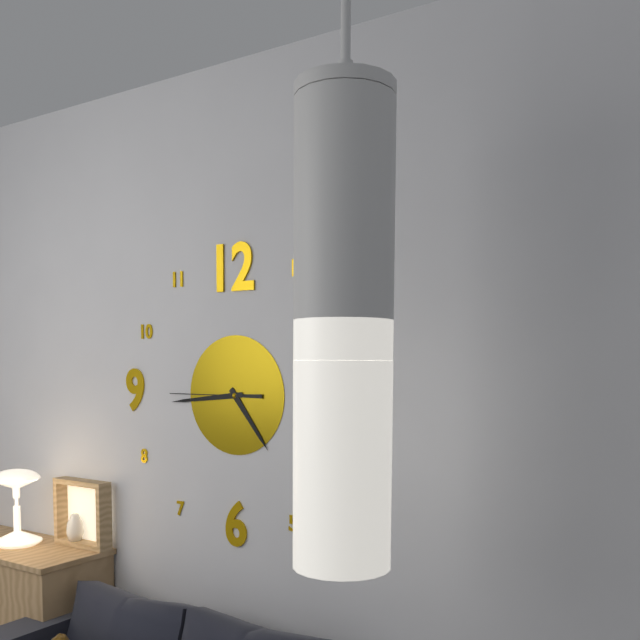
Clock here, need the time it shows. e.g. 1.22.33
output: 4.44.45
